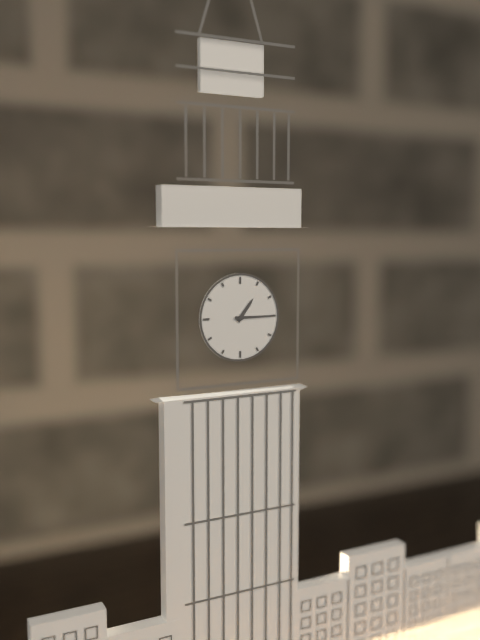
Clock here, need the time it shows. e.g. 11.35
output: 1.15
